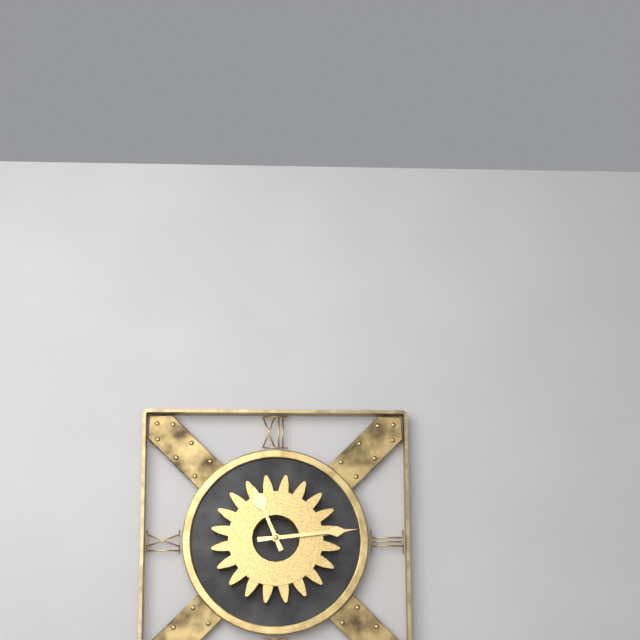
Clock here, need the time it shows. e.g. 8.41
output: 11.14
